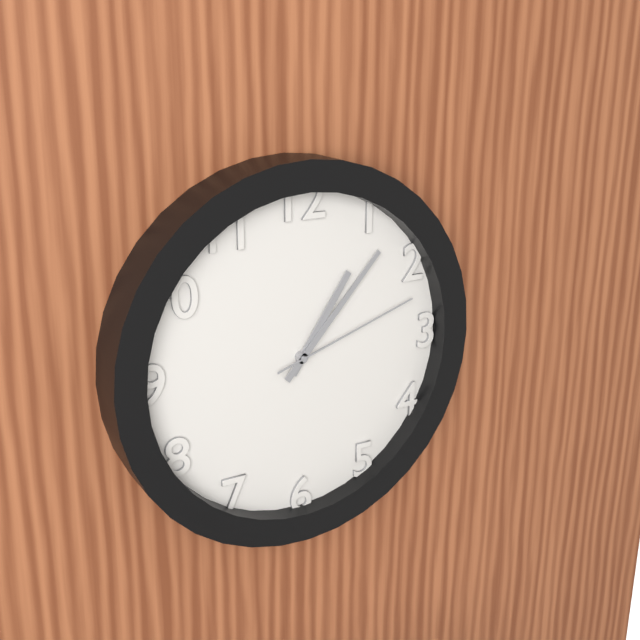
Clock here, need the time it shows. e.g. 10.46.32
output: 1.07.12
